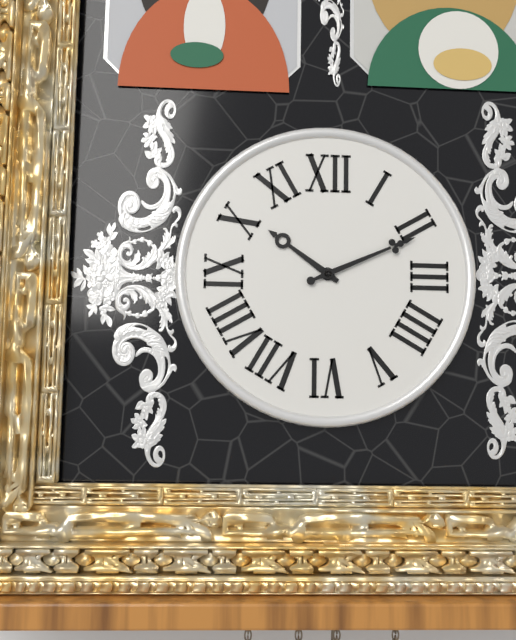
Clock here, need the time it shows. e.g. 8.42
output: 10.11
